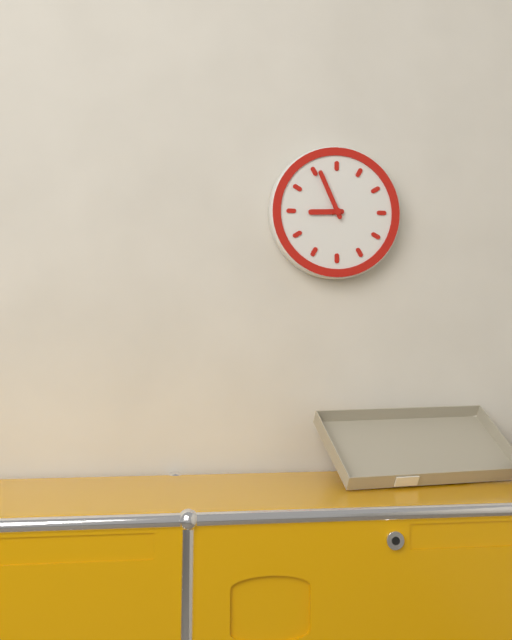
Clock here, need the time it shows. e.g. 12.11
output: 8.56
